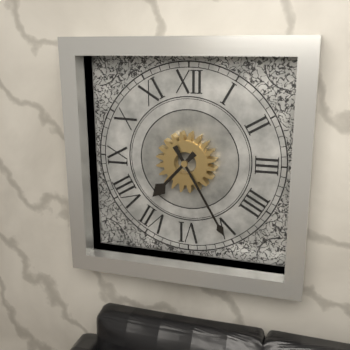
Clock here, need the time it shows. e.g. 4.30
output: 7.25
